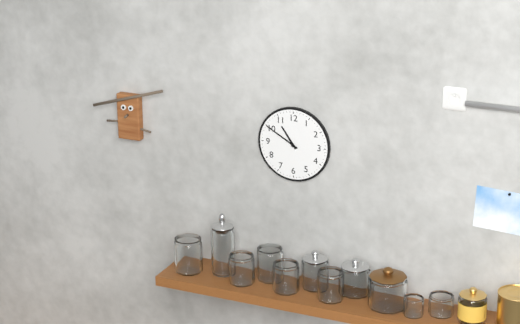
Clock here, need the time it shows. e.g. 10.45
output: 10.50
